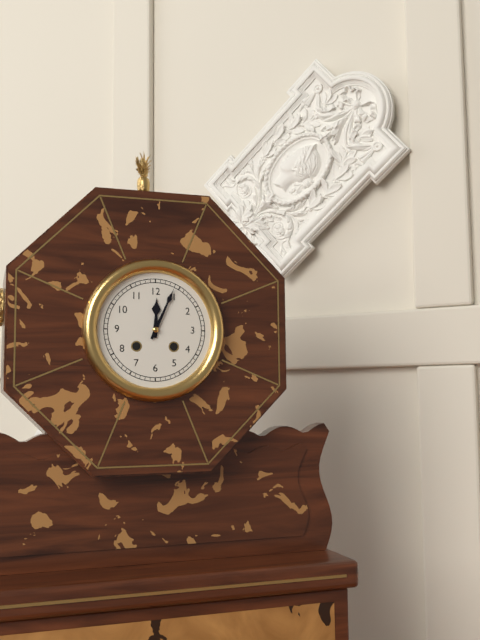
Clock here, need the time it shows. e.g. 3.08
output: 12.04
